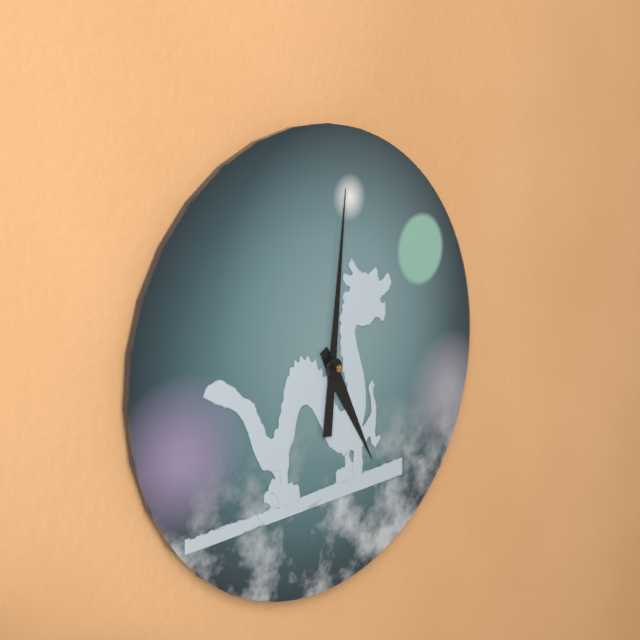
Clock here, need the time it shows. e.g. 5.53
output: 5.01
